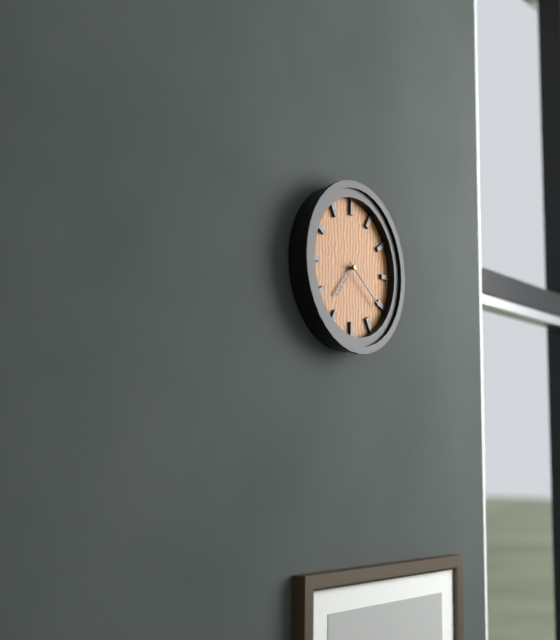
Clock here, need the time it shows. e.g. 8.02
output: 7.21
